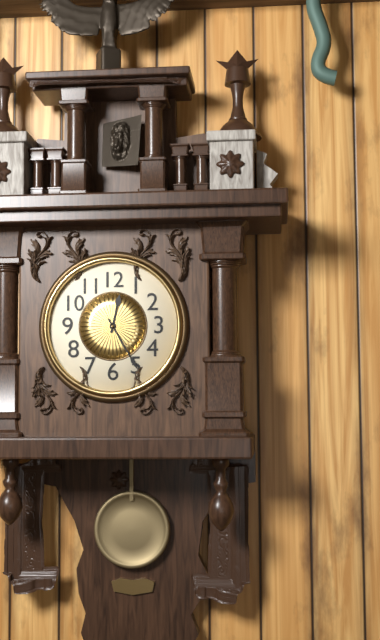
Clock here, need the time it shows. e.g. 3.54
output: 12.25
